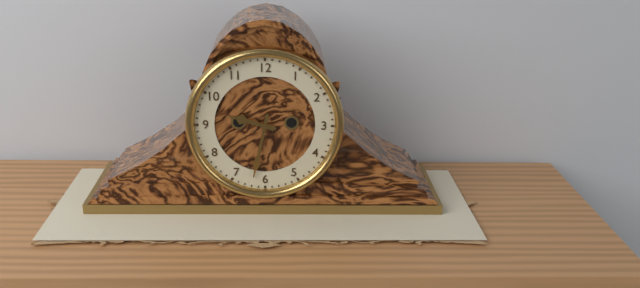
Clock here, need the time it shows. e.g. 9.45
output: 9.32
